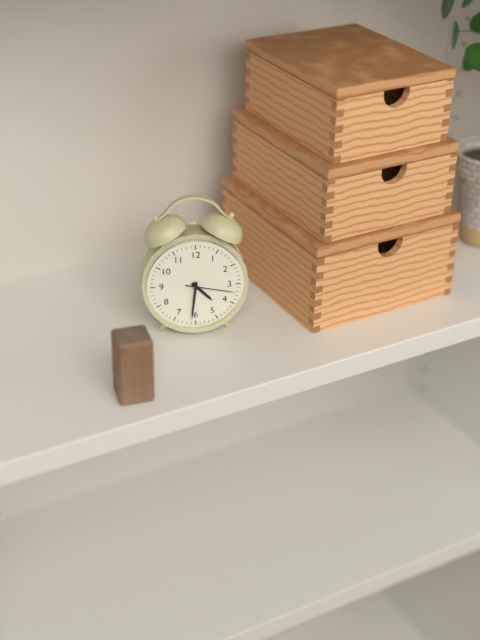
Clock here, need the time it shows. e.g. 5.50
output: 4.31
